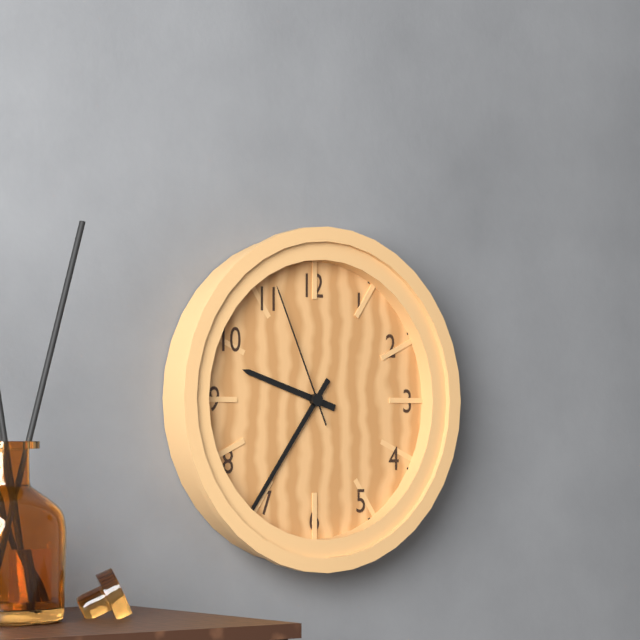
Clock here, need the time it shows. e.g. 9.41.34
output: 9.36.56
